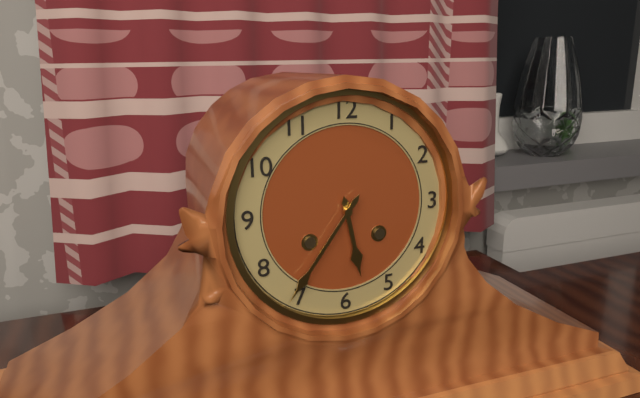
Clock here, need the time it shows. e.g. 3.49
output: 5.36
